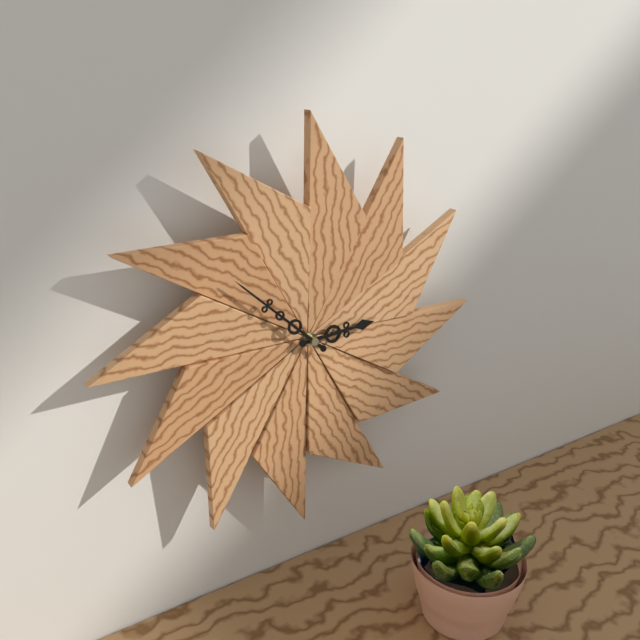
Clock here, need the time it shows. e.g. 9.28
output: 2.52
